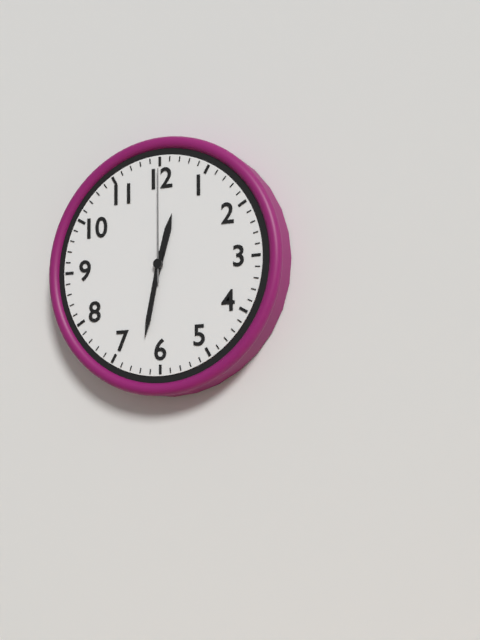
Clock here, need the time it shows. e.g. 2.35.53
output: 12.32.00
